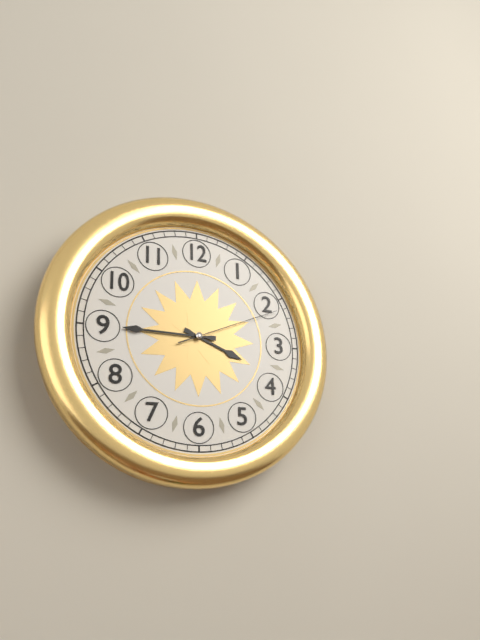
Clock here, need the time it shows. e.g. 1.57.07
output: 3.45.11
